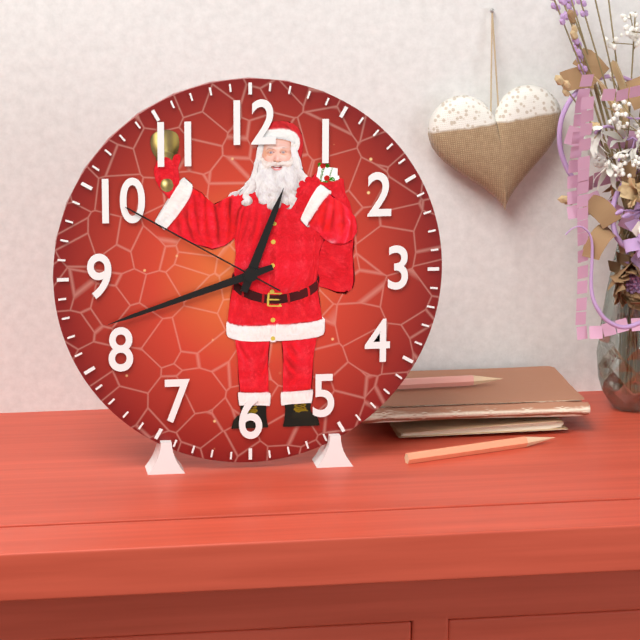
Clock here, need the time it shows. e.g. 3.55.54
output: 12.42.50
